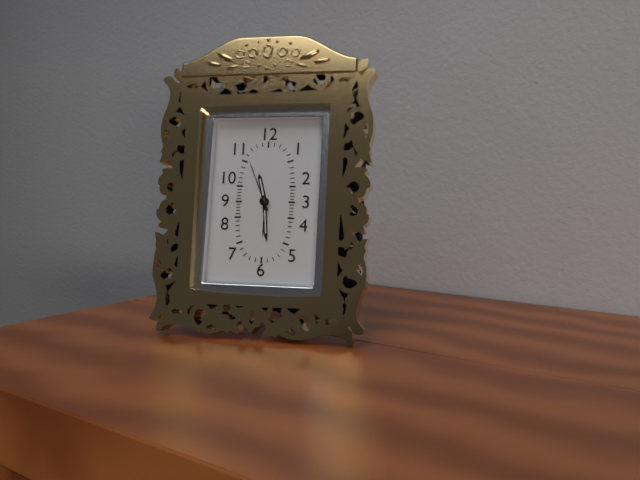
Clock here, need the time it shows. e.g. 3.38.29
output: 11.29.56
